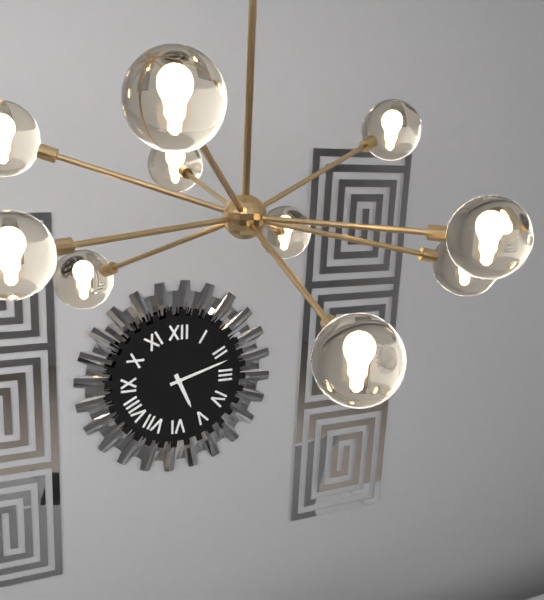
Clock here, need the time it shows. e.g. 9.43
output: 5.12
